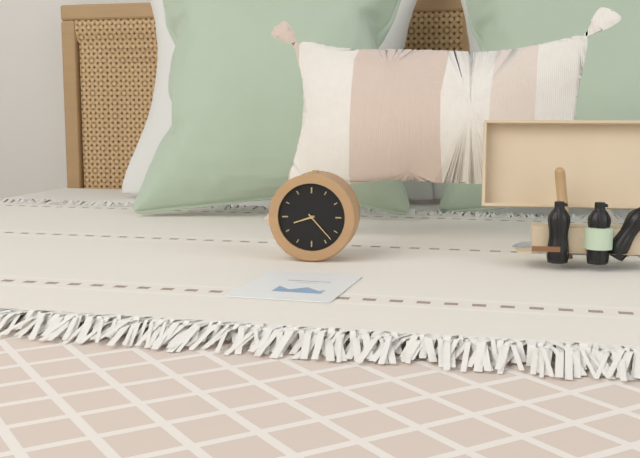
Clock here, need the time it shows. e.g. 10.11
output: 8.23
